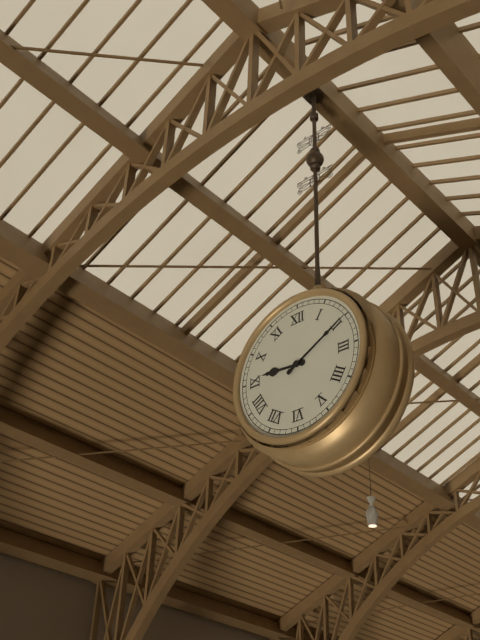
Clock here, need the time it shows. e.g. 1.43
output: 9.10
